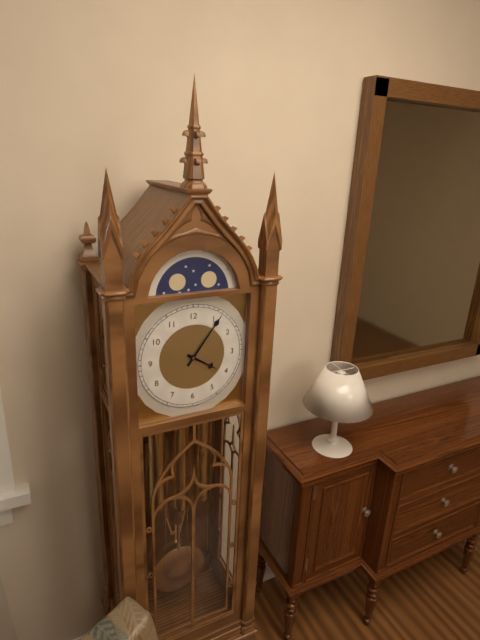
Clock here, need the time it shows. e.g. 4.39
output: 4.06
